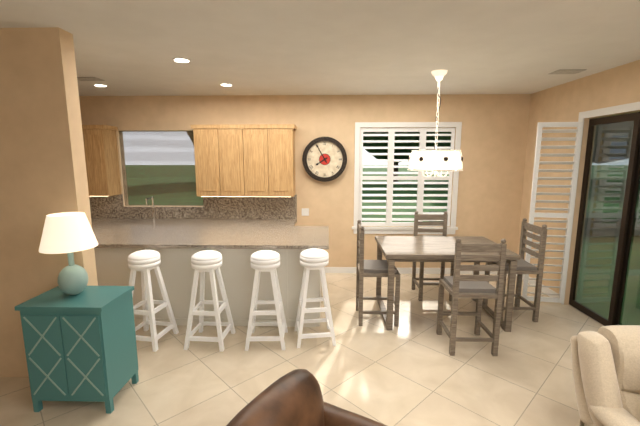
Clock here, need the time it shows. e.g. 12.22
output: 7.55
